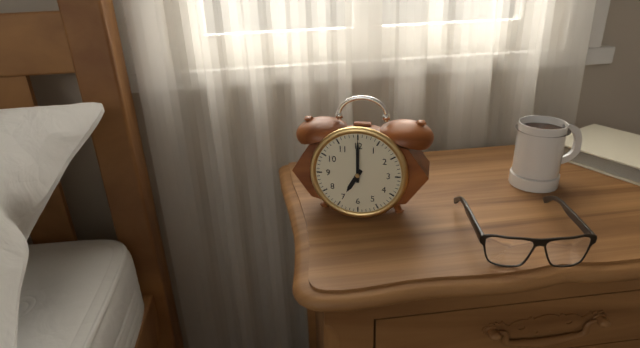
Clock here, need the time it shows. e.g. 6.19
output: 7.00
